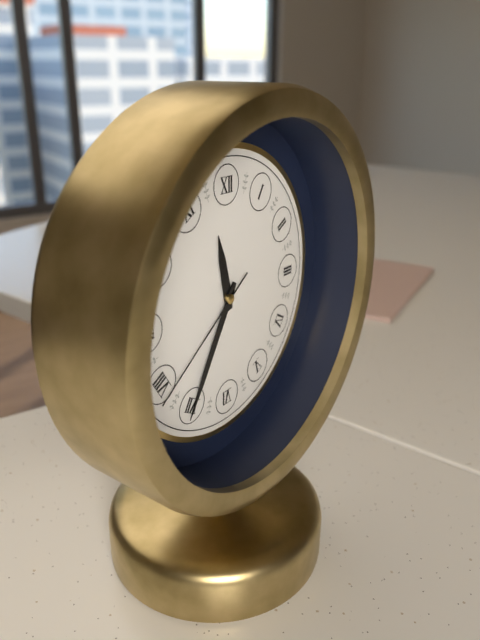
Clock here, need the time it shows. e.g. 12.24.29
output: 11.35.39
